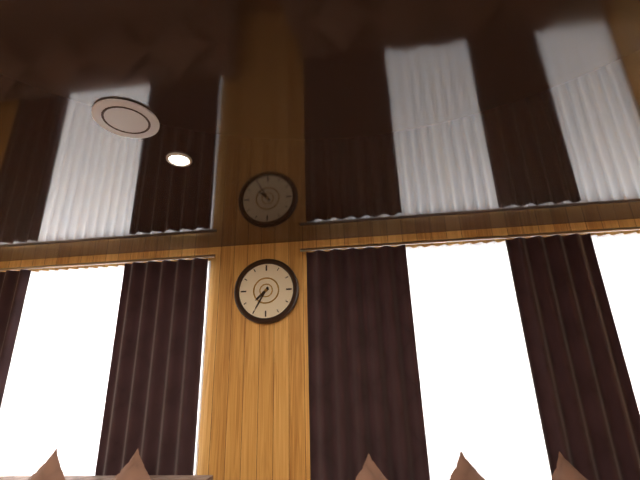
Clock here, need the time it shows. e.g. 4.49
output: 7.35
